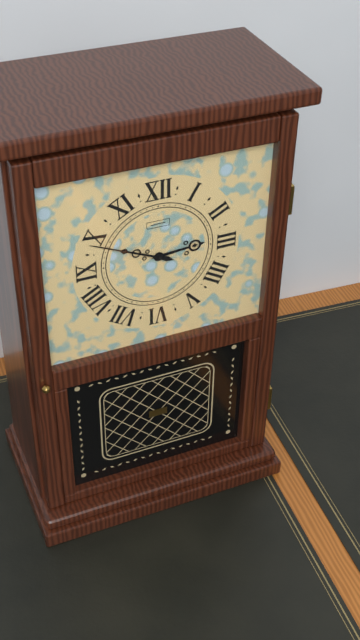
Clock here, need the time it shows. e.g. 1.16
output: 2.49
